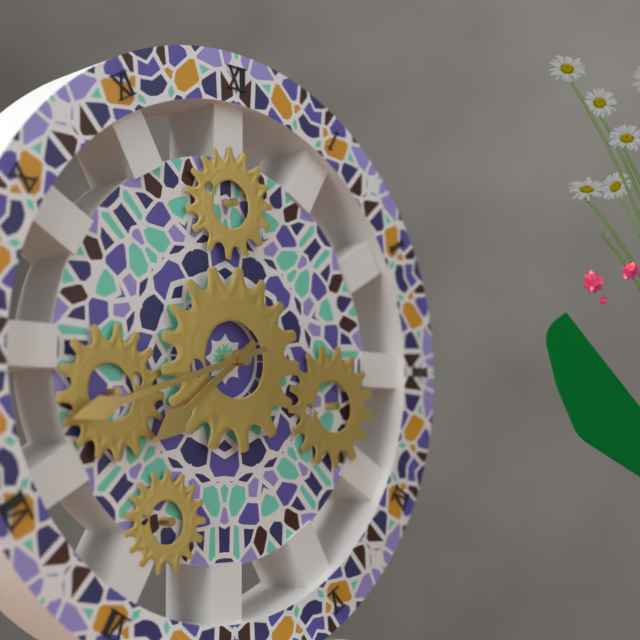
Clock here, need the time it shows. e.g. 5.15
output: 7.42
